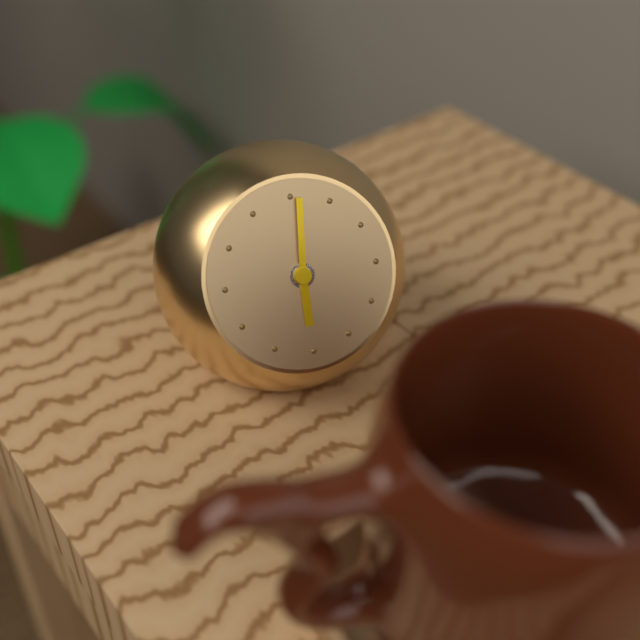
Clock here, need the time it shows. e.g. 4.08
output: 6.01
